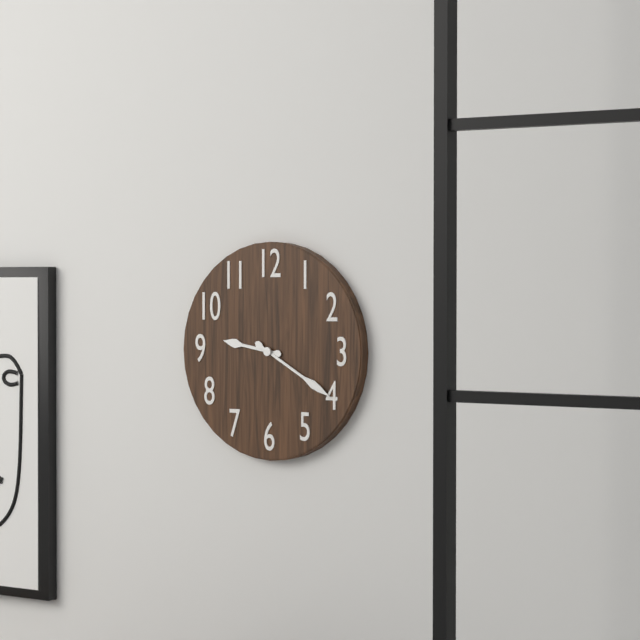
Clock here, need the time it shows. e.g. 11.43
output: 9.20
